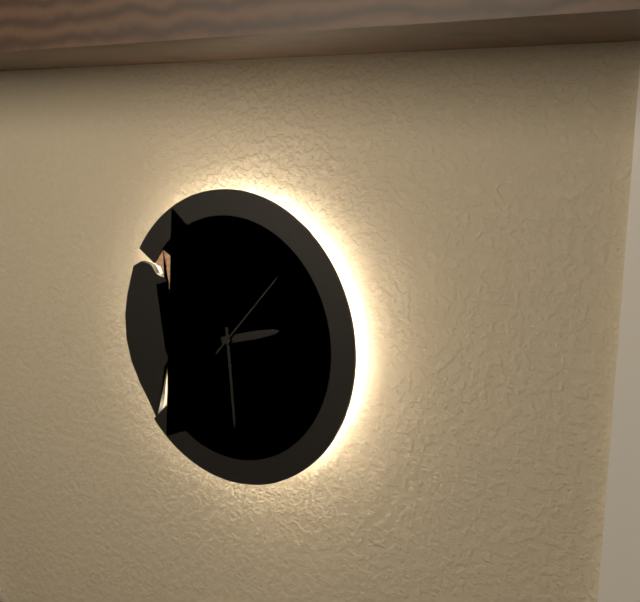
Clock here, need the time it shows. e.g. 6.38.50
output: 2.29.07
